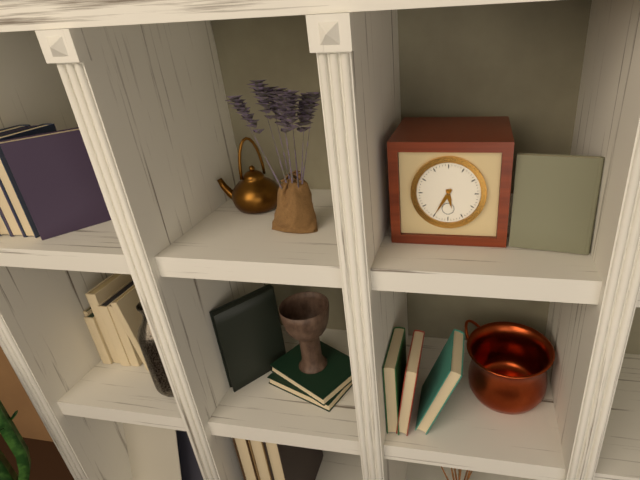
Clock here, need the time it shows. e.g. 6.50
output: 5.35
